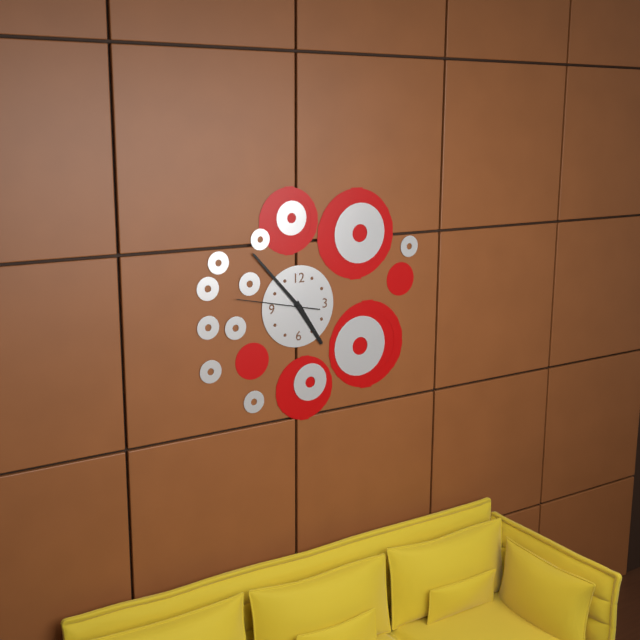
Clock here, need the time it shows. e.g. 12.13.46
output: 4.53.47
